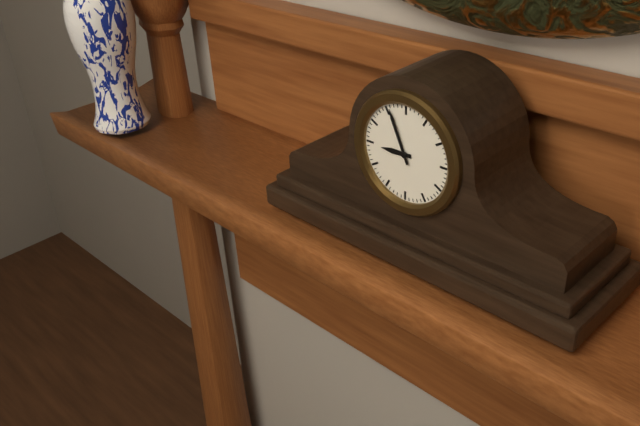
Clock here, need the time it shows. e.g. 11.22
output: 8.56
